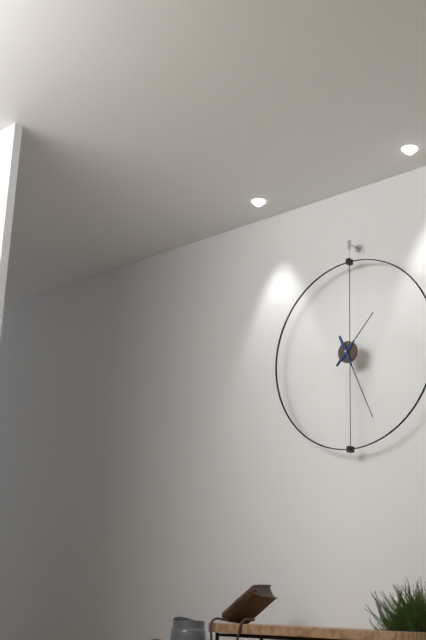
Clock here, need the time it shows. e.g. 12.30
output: 1.26
